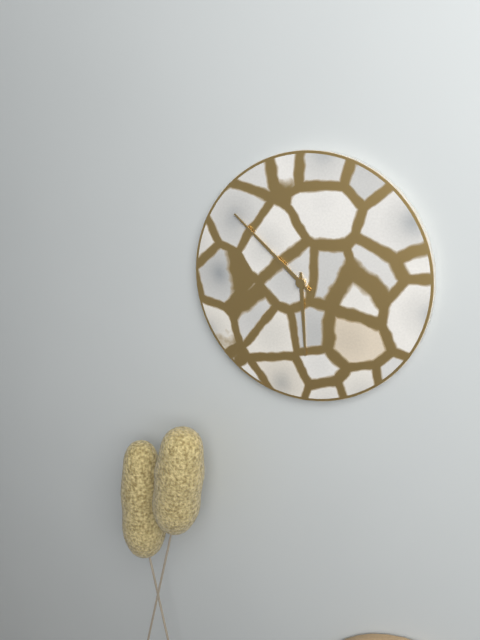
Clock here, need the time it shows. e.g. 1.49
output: 5.52
